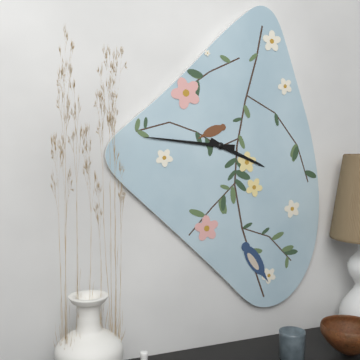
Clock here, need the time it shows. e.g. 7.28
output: 3.46
